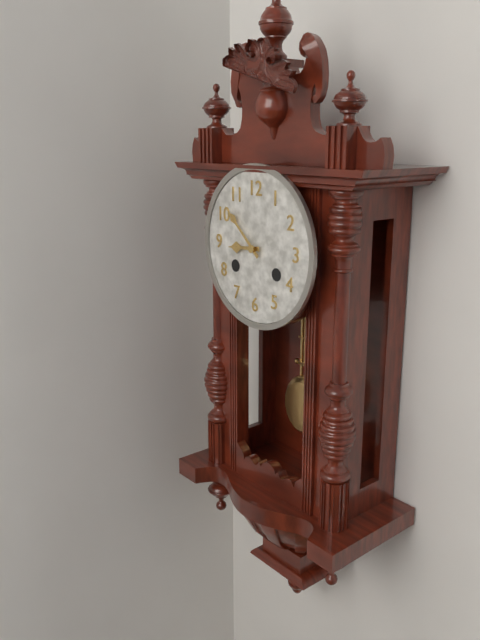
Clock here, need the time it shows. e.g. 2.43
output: 8.52
